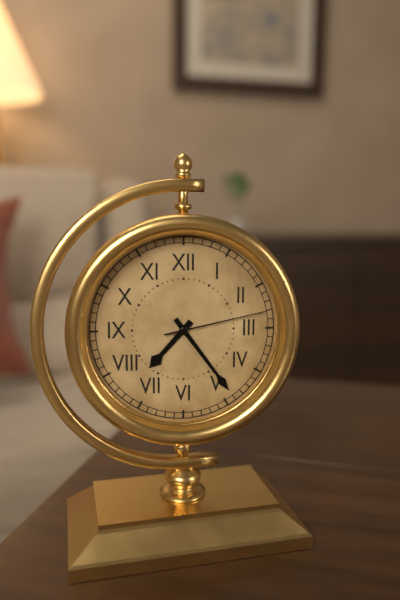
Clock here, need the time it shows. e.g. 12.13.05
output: 7.24.13
